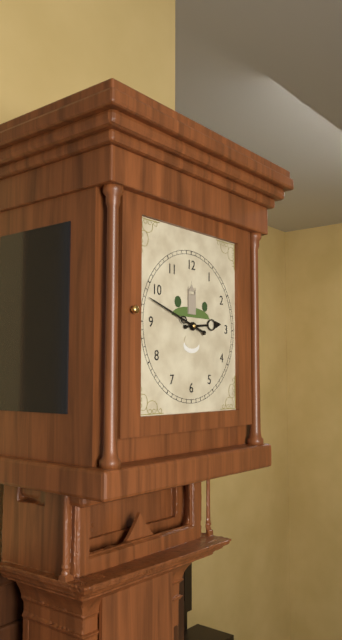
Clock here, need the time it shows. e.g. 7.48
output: 2.48
